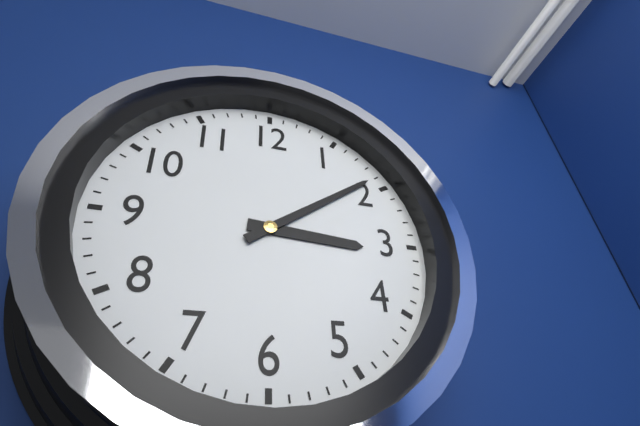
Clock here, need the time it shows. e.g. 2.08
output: 3.09
